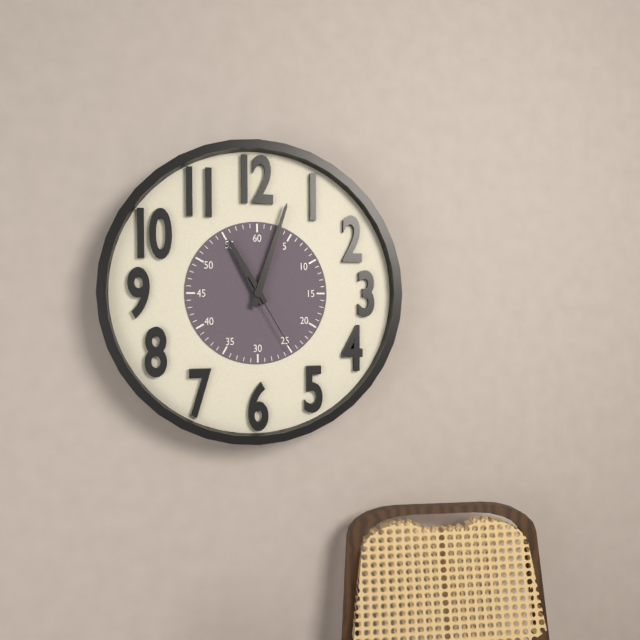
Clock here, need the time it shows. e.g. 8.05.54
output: 11.03.25
